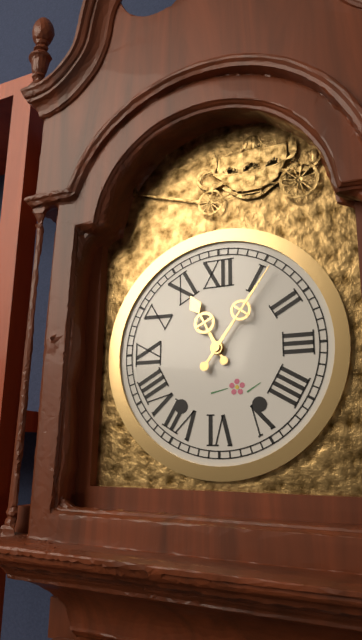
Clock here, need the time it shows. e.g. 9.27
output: 11.06
